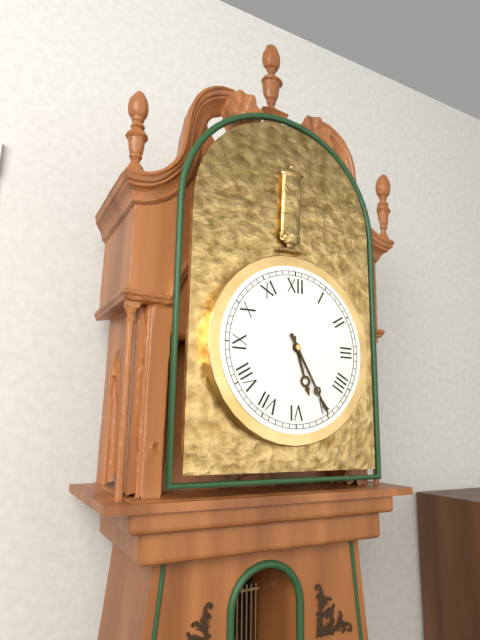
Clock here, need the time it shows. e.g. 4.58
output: 5.25
